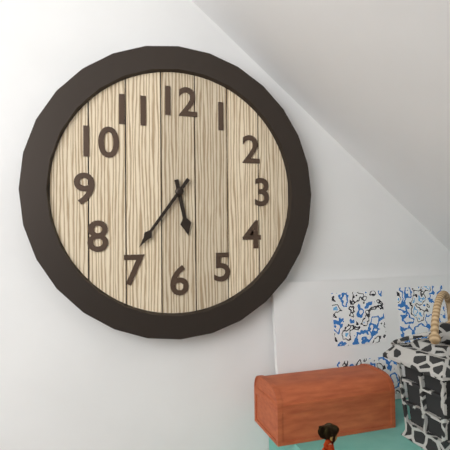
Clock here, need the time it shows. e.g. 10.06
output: 5.36
